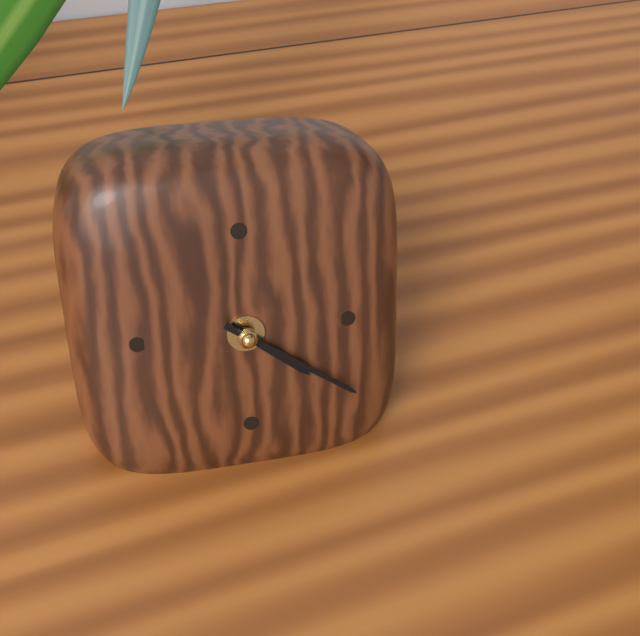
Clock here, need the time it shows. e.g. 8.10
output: 4.21
